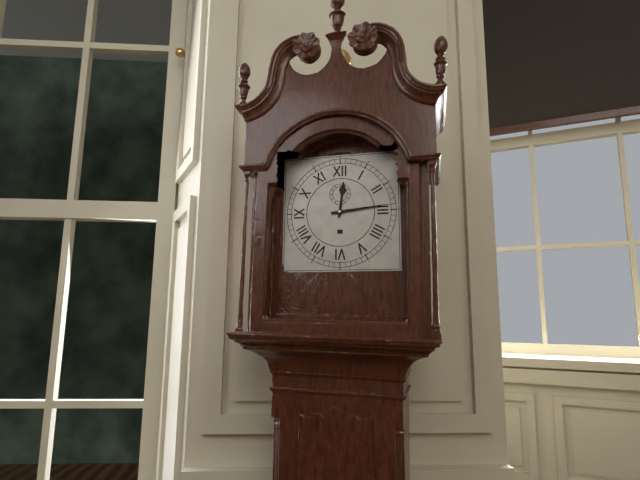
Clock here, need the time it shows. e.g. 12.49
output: 12.14
